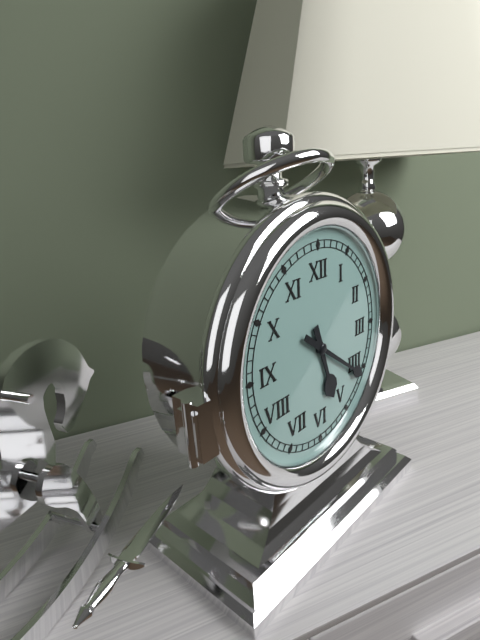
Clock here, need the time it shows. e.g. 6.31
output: 5.21
